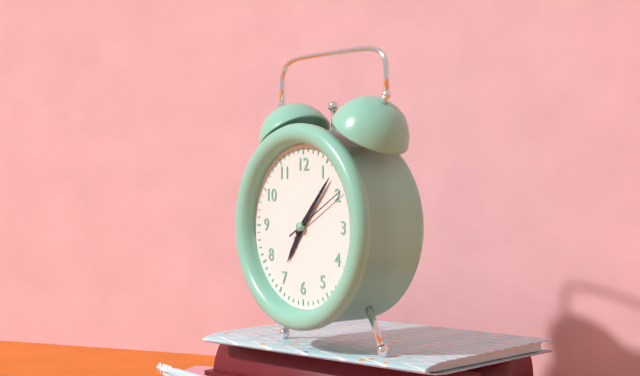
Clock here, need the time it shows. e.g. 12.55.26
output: 7.07.10
